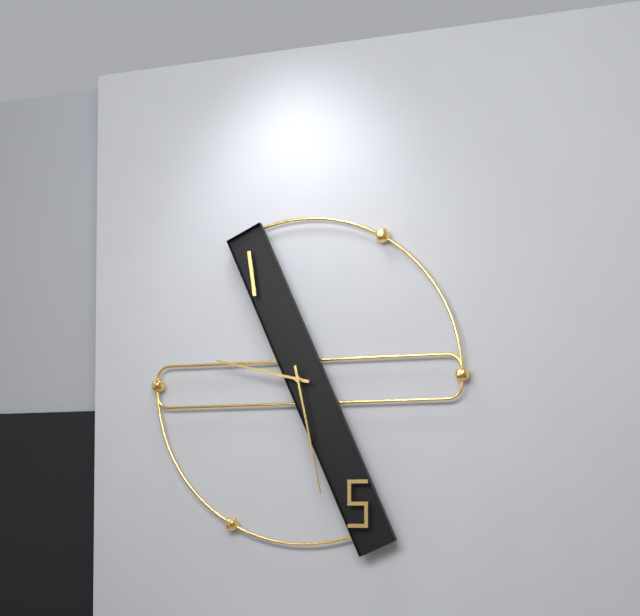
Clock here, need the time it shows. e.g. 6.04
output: 9.28
